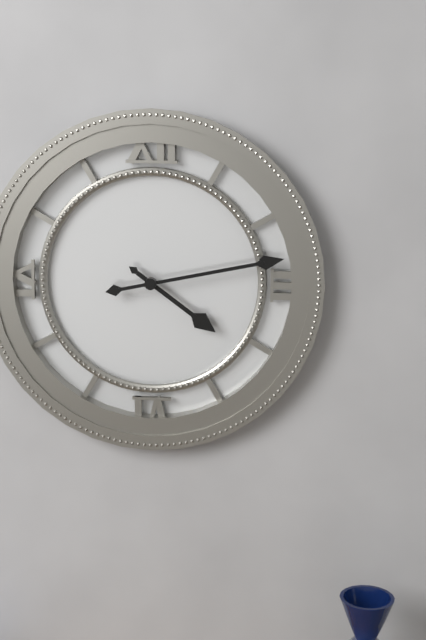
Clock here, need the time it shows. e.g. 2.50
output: 4.13
